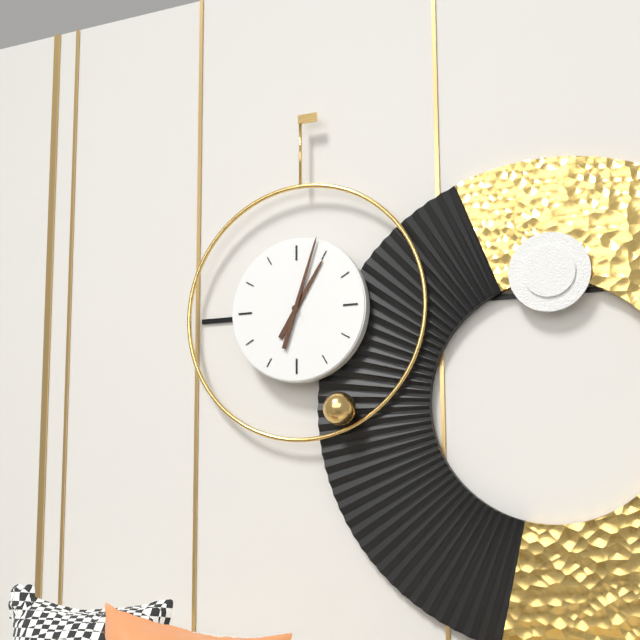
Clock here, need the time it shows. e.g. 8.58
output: 1.03
